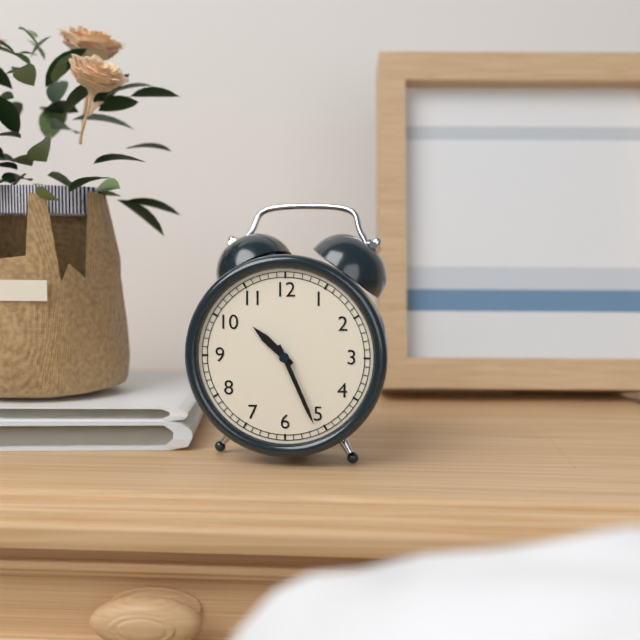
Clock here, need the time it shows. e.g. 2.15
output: 10.26
